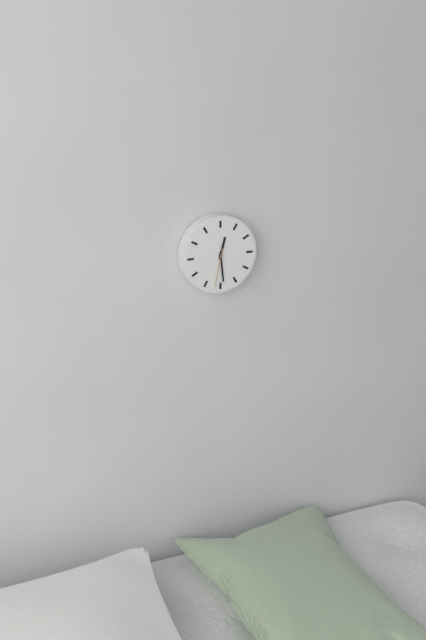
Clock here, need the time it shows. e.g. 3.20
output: 12.29
